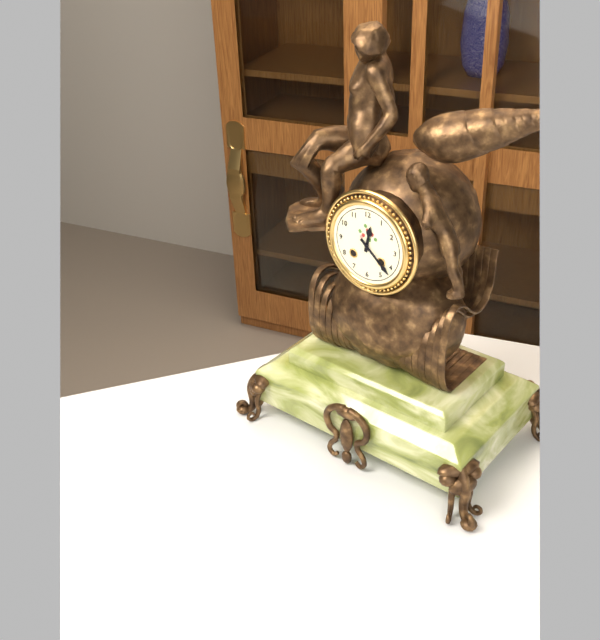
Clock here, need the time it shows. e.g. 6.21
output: 12.22
